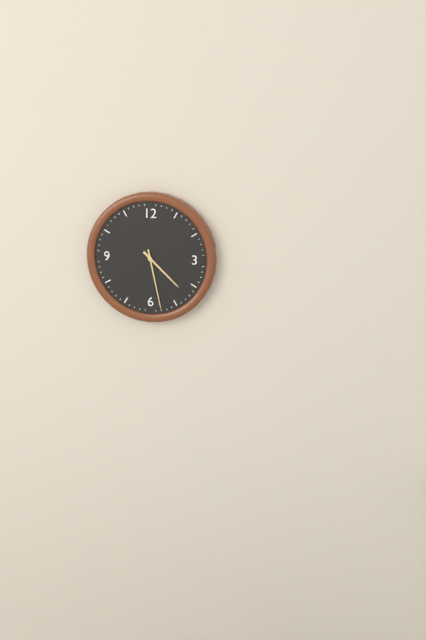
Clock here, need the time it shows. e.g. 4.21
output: 4.28
